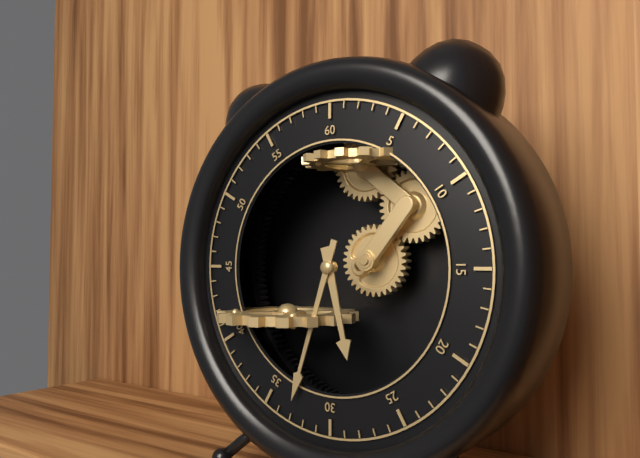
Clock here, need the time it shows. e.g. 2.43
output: 5.33
